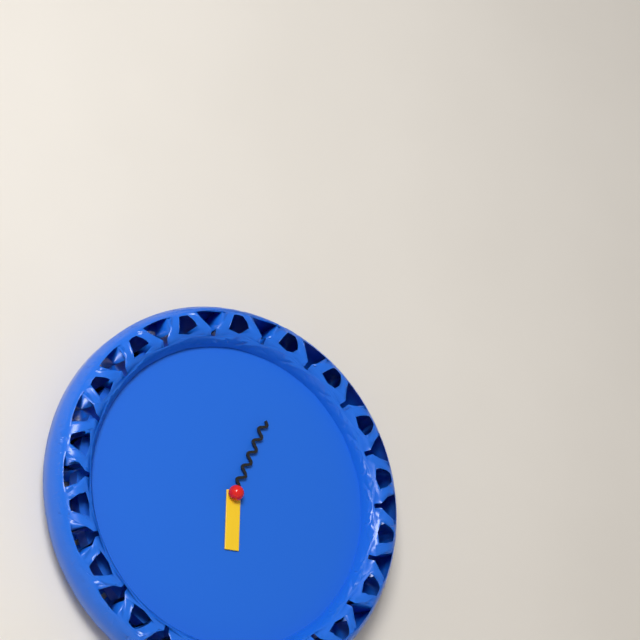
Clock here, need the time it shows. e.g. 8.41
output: 6.04
